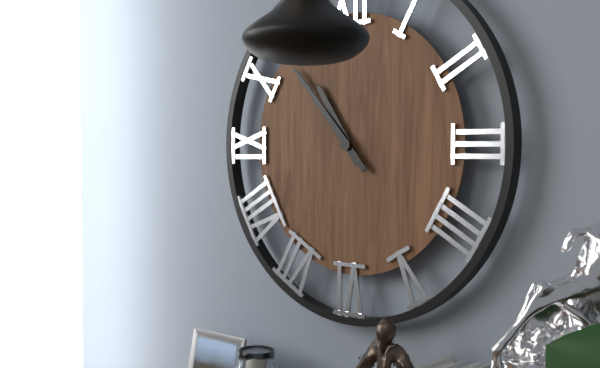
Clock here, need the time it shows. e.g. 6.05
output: 10.53
